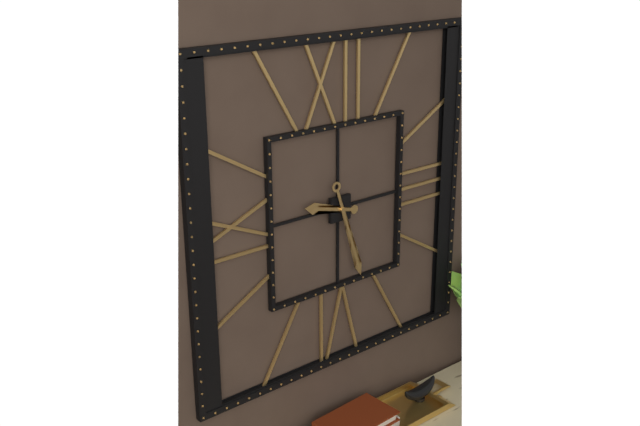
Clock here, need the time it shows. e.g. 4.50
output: 9.27
